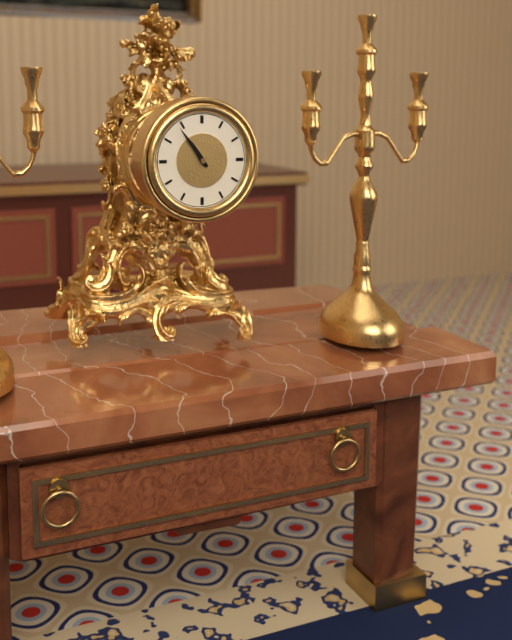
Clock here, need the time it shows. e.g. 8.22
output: 10.54
